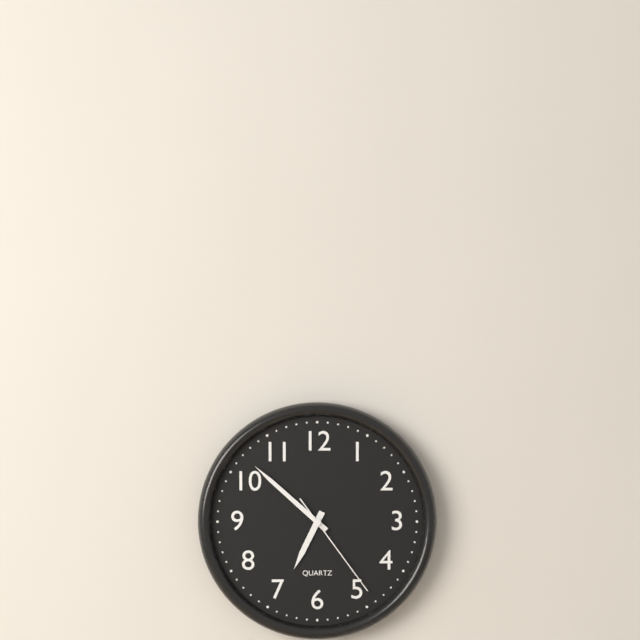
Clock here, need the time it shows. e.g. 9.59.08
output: 6.52.24
